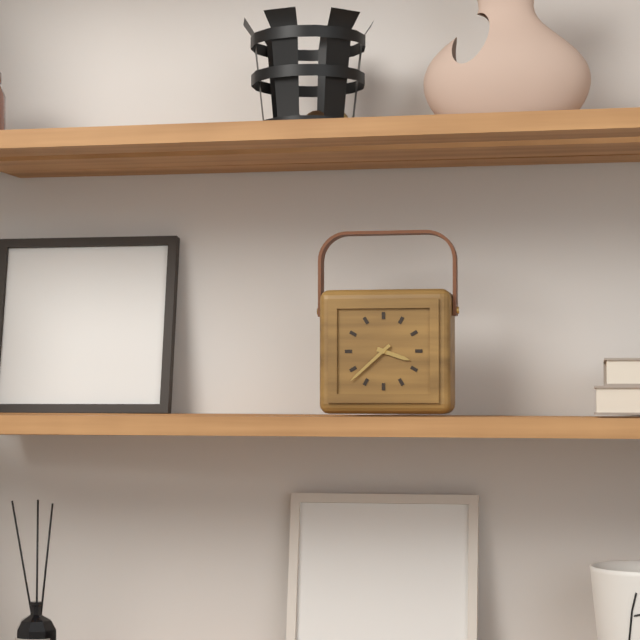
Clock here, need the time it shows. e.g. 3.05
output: 3.38
